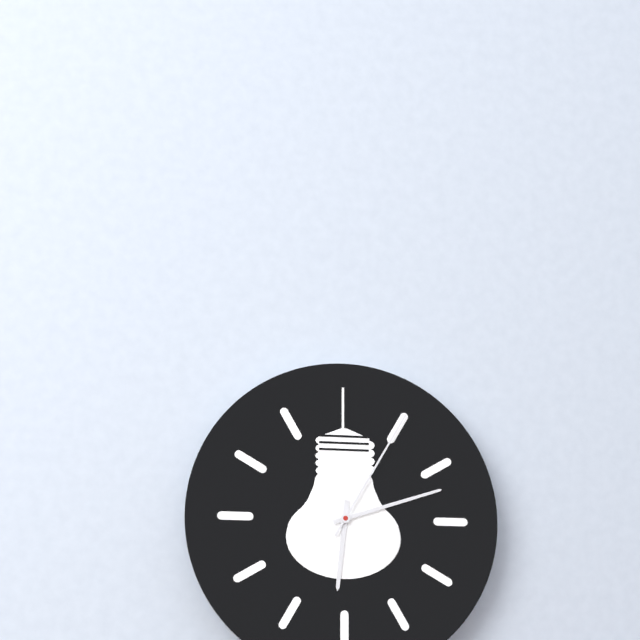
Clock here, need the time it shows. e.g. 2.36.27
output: 6.12.05
